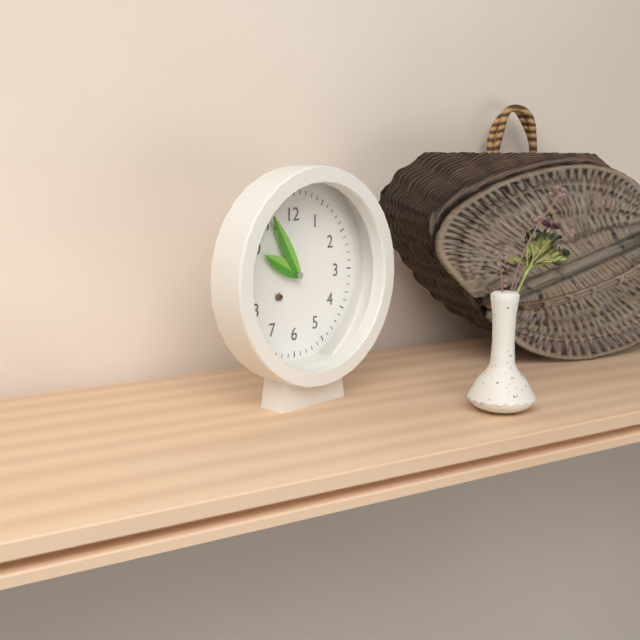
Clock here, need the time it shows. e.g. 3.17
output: 9.55
